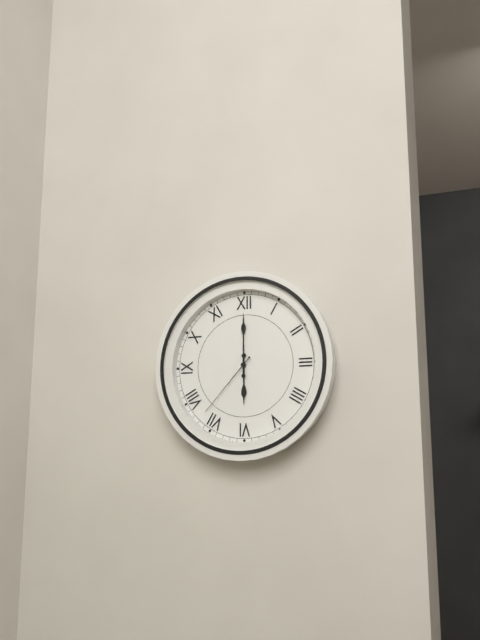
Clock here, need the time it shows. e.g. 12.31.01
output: 6.00.37
